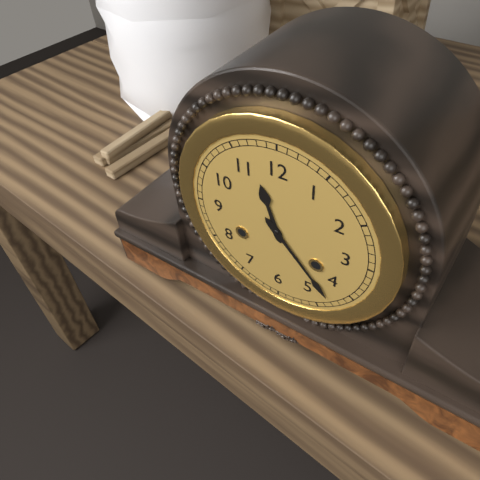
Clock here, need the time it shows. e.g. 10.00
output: 11.23
